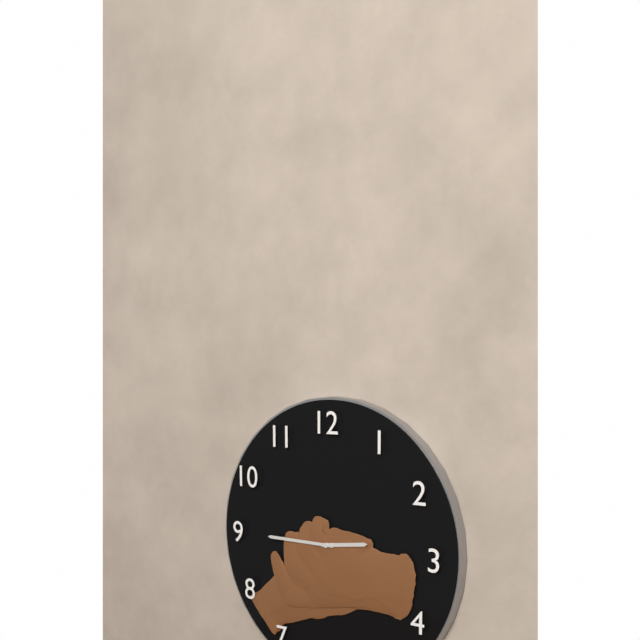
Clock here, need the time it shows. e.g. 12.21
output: 2.45
